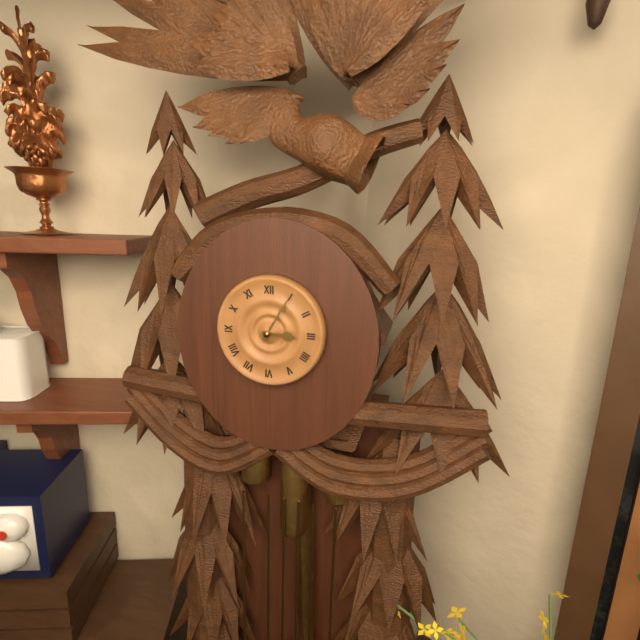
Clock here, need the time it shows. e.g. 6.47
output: 3.05
